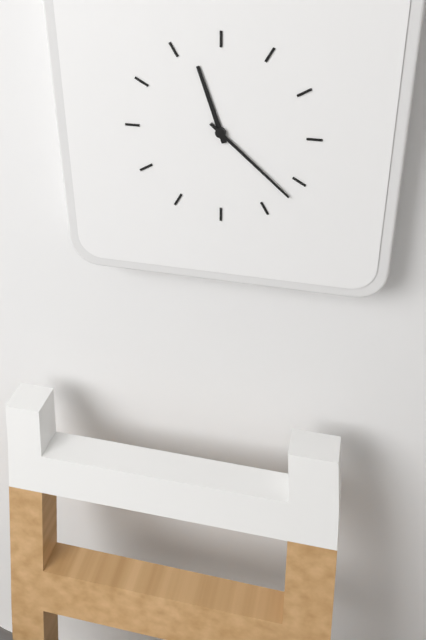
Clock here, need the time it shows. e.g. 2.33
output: 11.22
